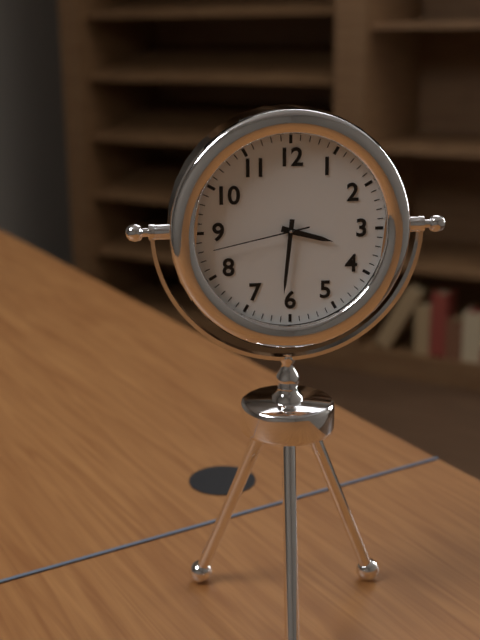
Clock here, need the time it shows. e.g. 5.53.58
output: 3.31.43
